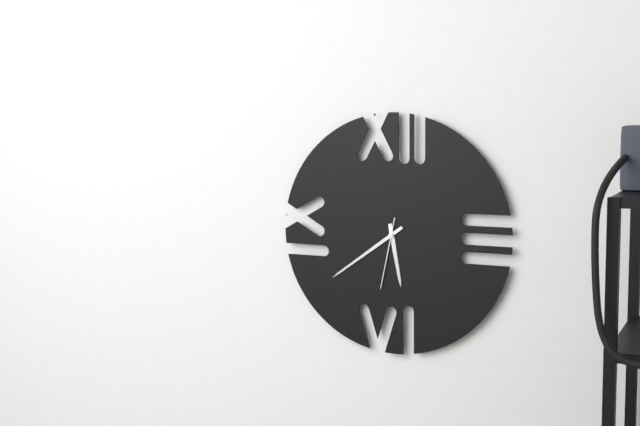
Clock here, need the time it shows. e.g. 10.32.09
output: 5.39.32
